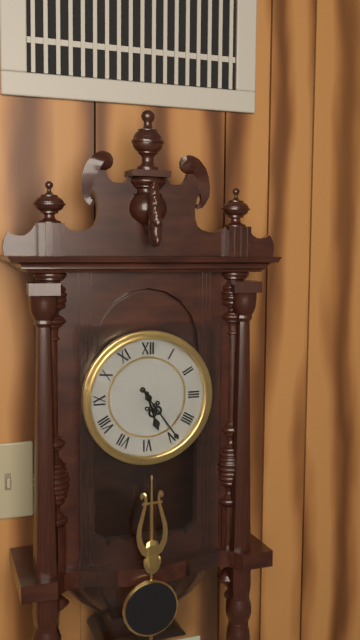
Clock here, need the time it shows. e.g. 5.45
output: 5.24
